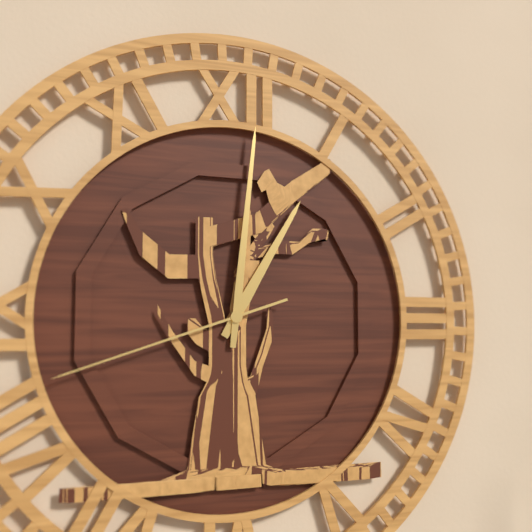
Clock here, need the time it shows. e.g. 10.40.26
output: 1.01.42
